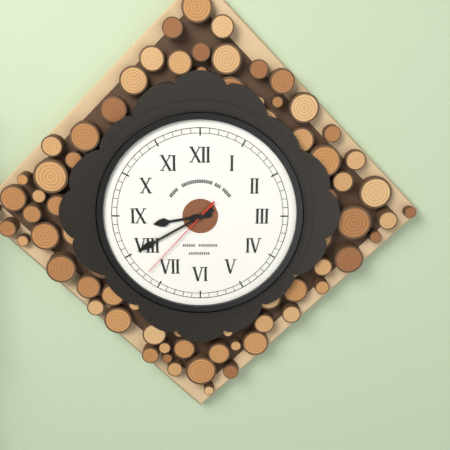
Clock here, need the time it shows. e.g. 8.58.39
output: 8.40.37
